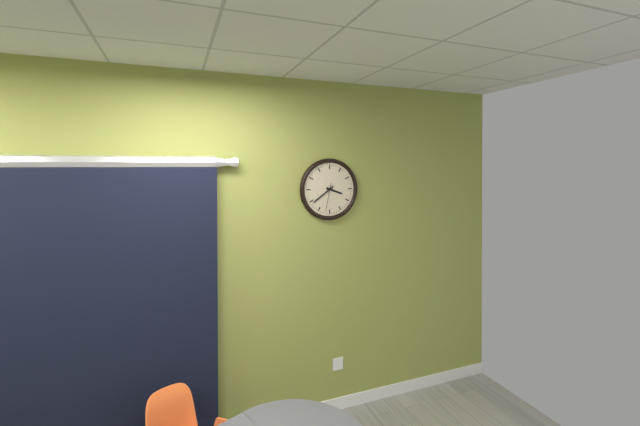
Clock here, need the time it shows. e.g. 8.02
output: 3.39
